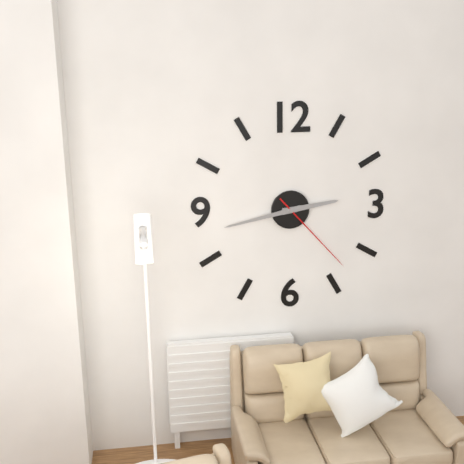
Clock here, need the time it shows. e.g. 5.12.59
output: 2.43.23
